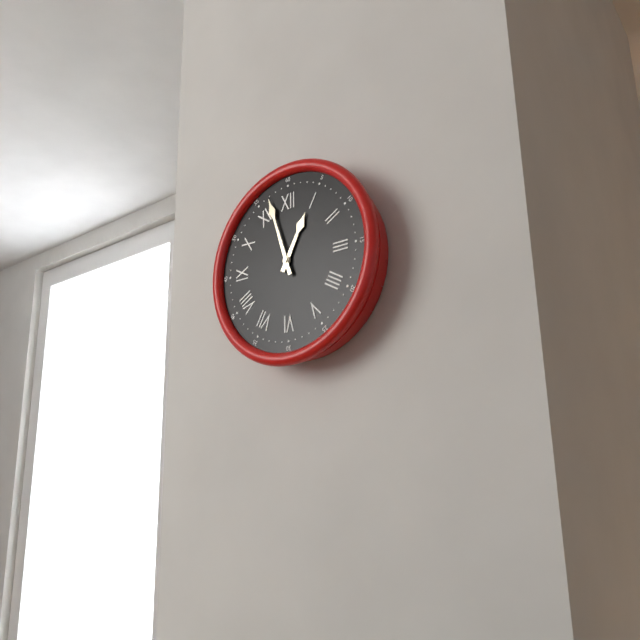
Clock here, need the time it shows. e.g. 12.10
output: 12.57
